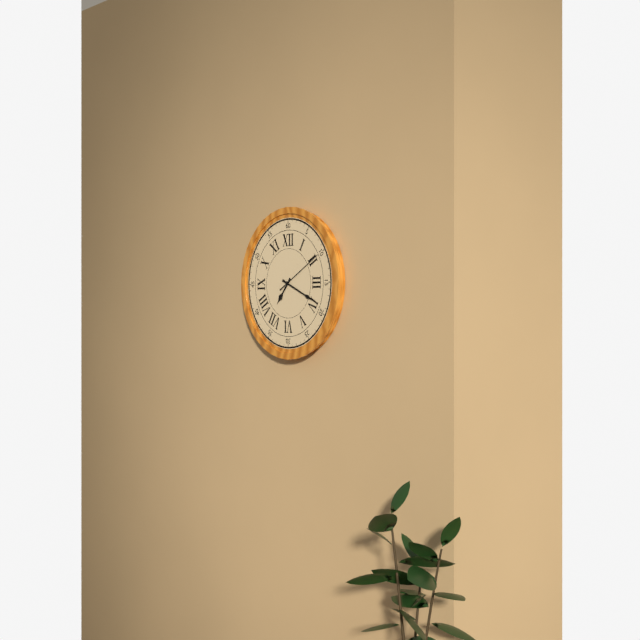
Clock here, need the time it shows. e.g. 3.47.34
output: 7.19.10
